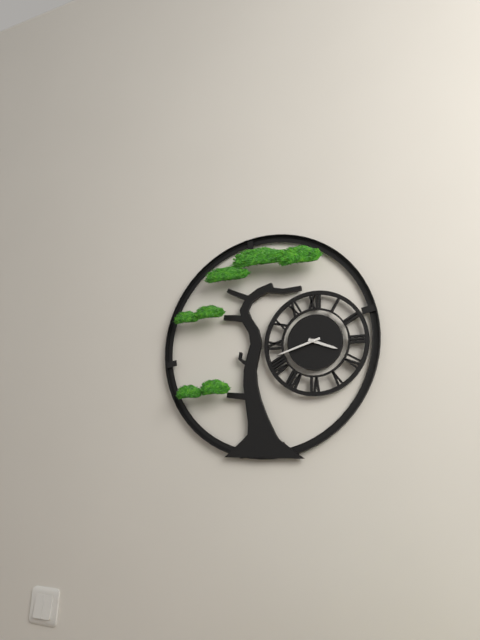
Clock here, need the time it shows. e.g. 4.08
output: 3.42
